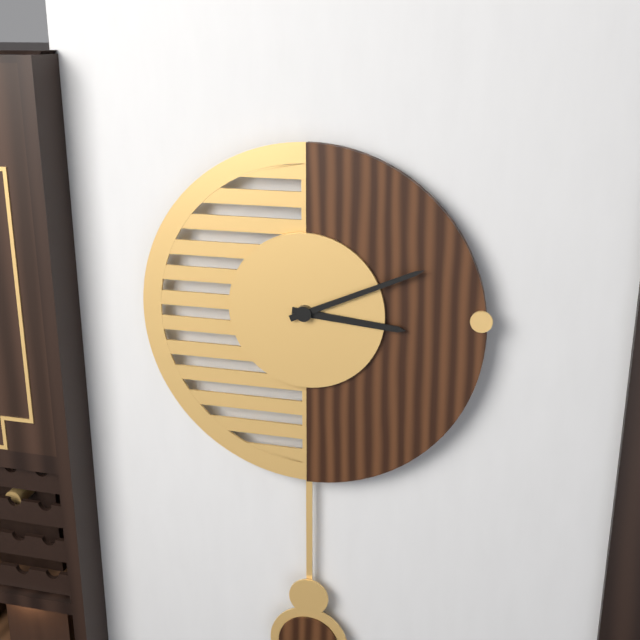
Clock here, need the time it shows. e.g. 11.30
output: 3.11
